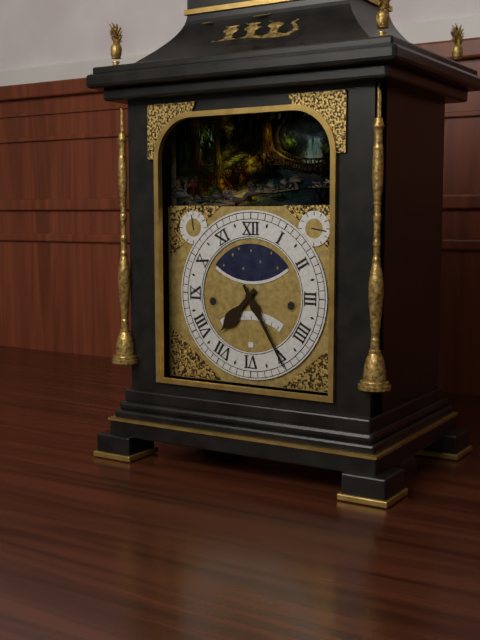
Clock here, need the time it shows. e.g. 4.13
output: 7.25
